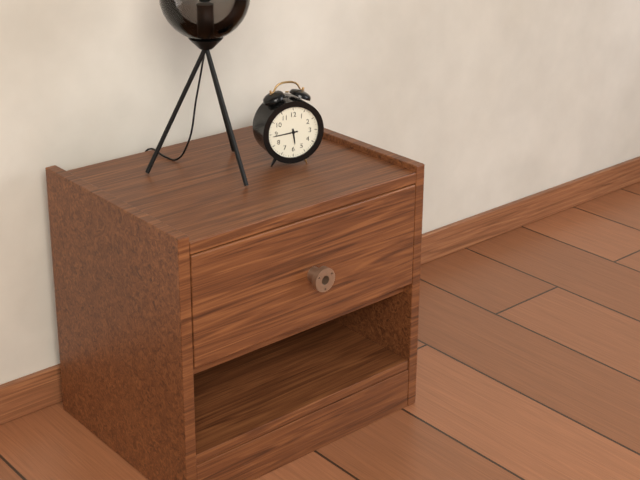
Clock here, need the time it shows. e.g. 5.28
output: 5.44
